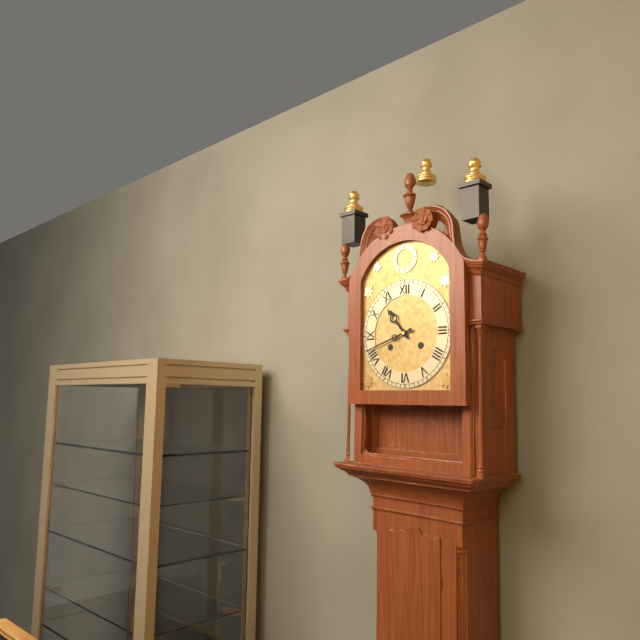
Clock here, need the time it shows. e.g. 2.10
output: 10.42
